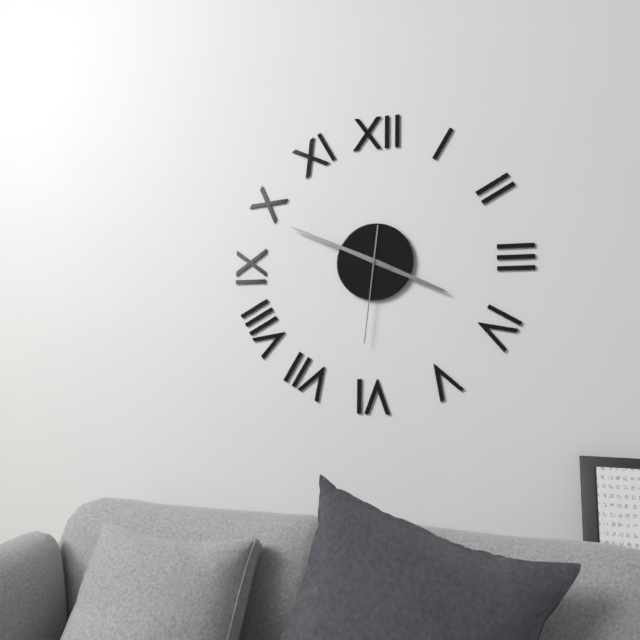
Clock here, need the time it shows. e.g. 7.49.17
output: 3.49.31
